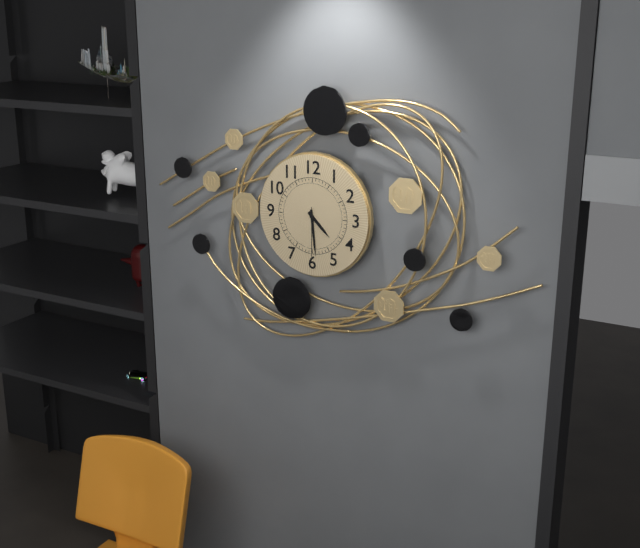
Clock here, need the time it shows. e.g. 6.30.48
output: 4.29.30
